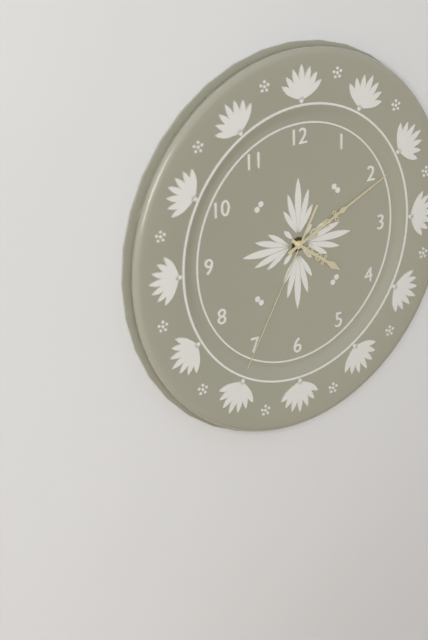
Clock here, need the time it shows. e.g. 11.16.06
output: 4.11.35
